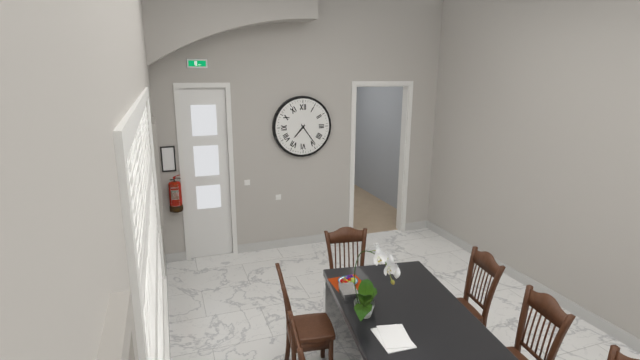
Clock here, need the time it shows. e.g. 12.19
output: 7.24
